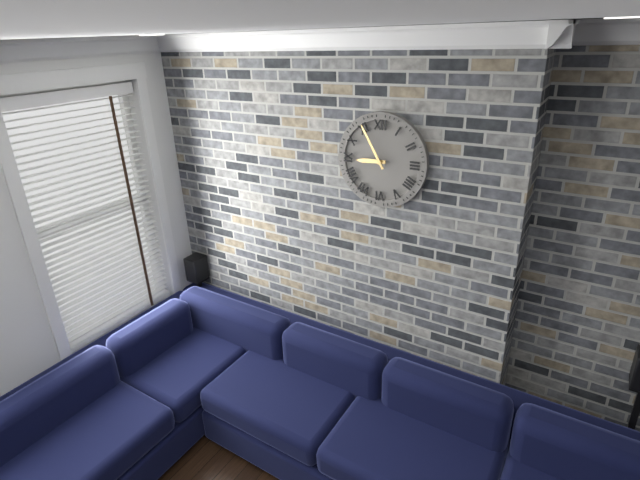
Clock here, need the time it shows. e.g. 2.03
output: 8.55
